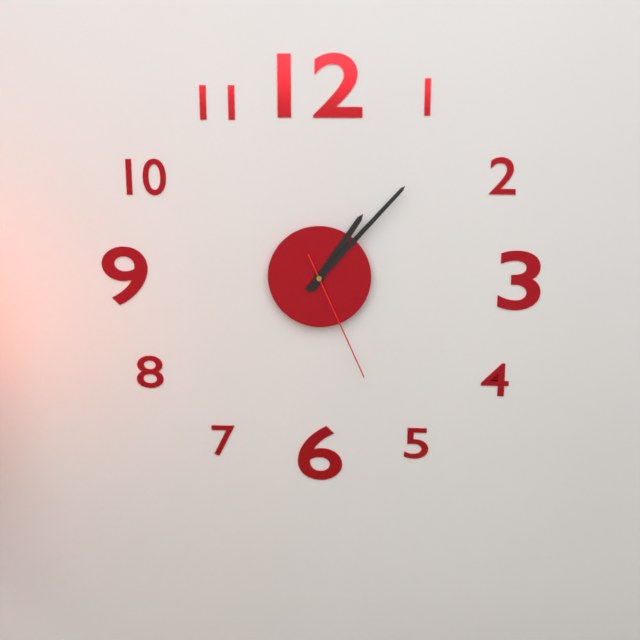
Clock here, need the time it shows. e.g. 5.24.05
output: 1.07.26
